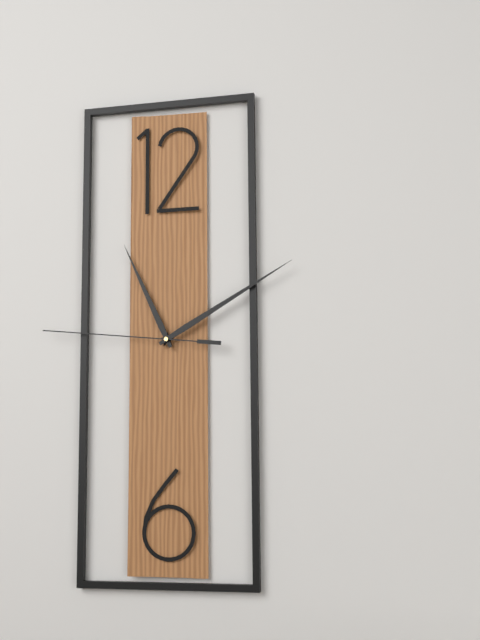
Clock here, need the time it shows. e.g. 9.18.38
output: 11.10.46
